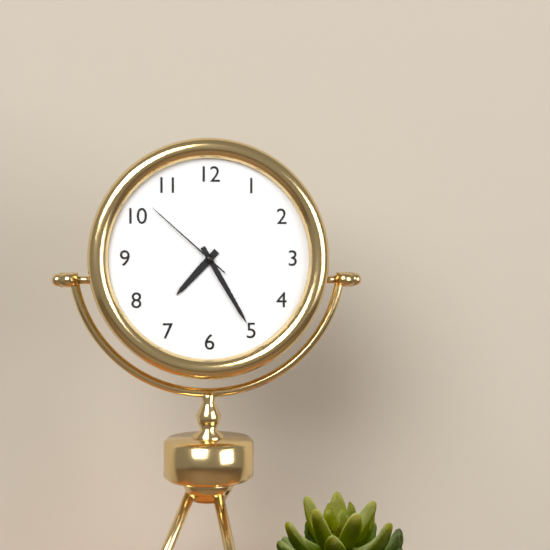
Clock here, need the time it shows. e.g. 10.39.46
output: 7.25.52
